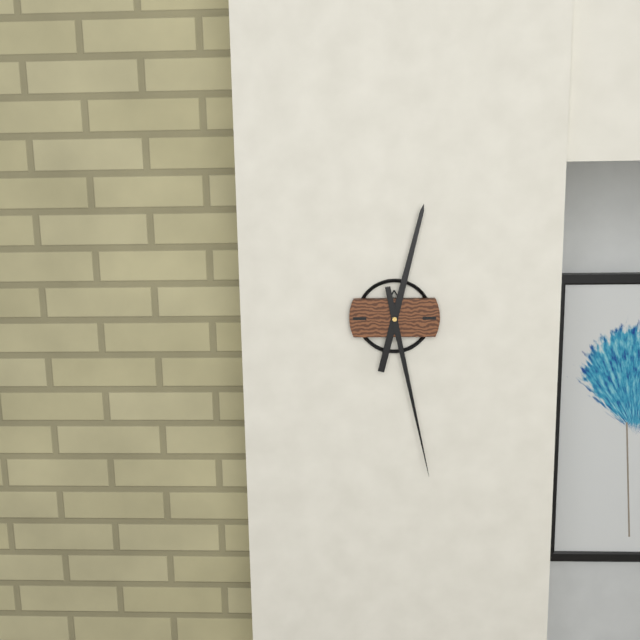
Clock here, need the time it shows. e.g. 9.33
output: 12.28
